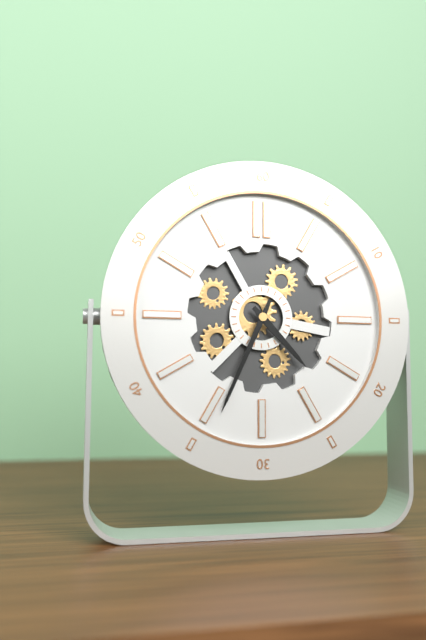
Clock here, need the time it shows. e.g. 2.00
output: 4.34
